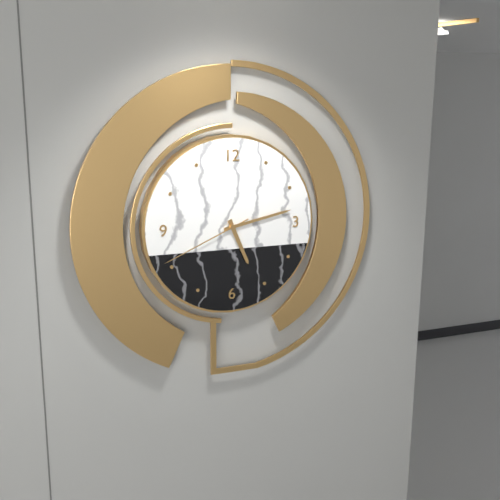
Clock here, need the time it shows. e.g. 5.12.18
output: 5.13.41
